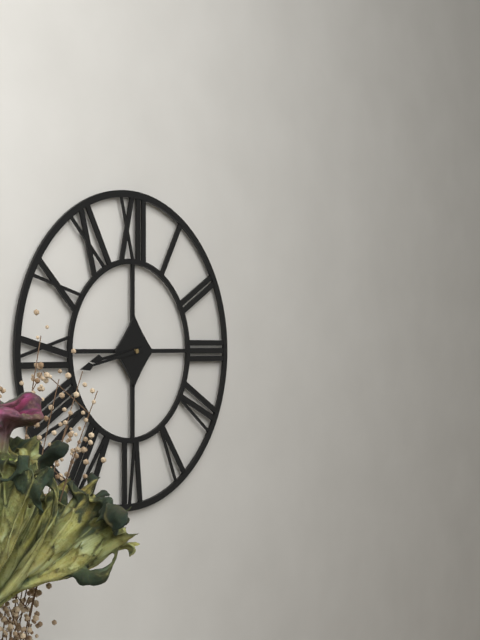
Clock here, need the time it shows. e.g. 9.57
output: 8.43
